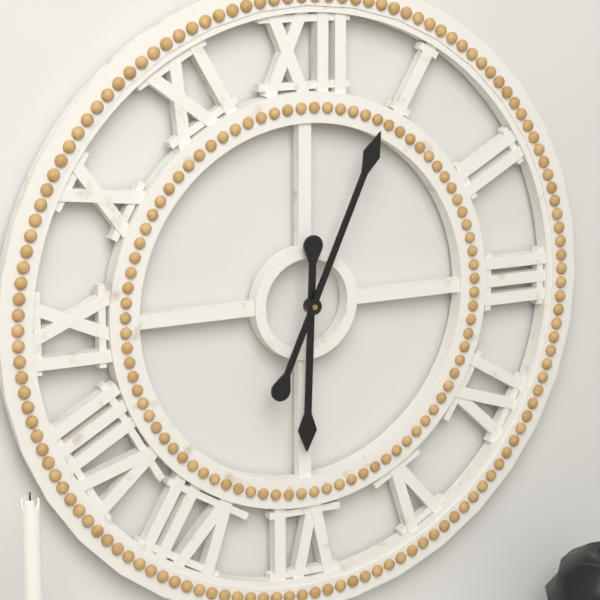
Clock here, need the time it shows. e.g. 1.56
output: 6.04
